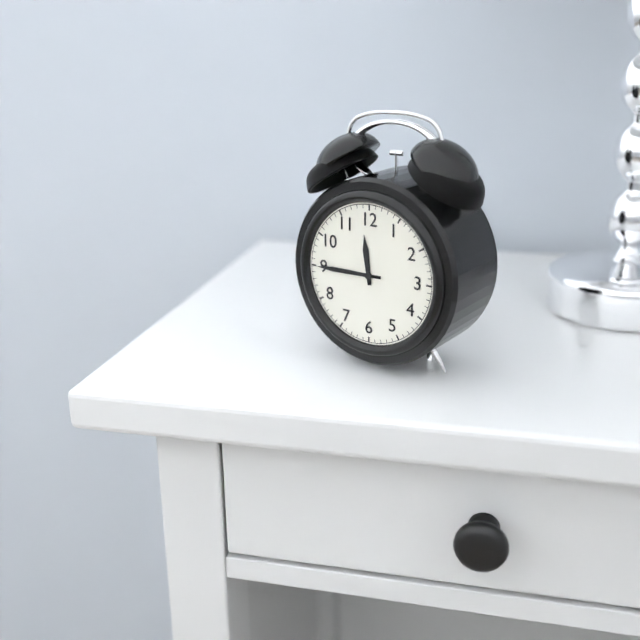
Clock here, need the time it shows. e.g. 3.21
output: 11.45
